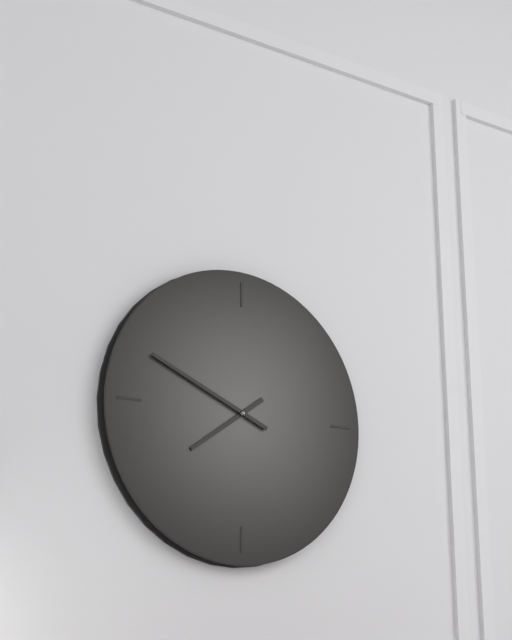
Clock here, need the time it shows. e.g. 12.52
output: 7.49
